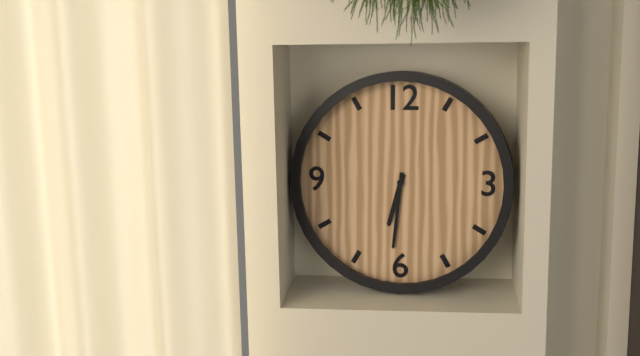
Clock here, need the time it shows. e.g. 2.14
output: 6.31
